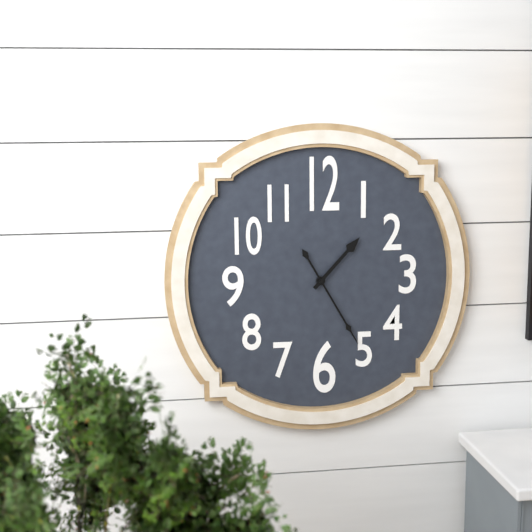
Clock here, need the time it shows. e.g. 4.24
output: 1.25
